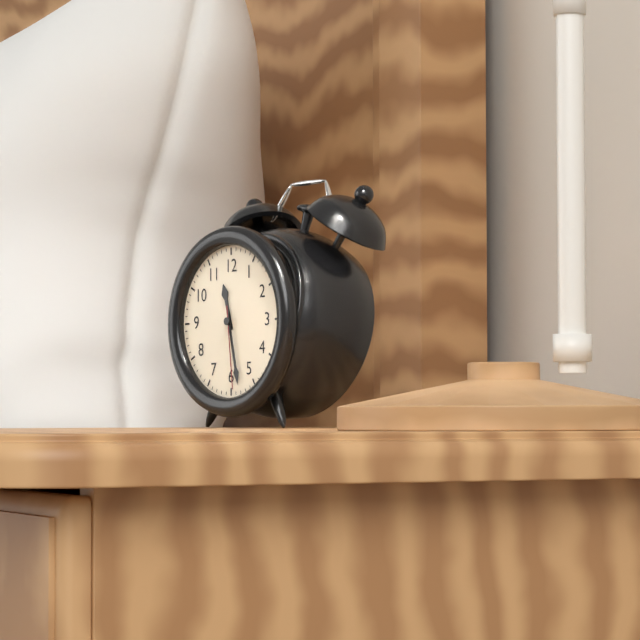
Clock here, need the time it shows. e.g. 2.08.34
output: 11.28.29
